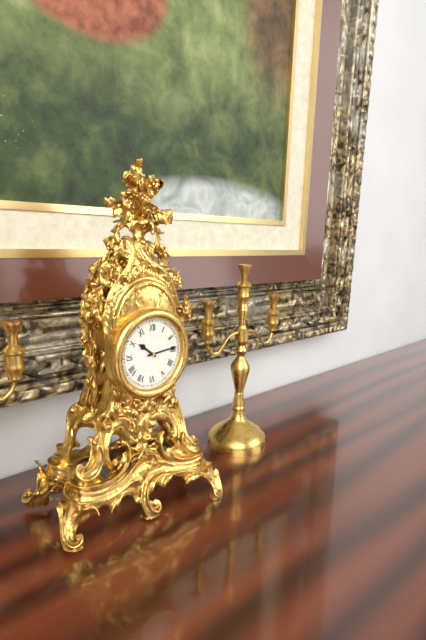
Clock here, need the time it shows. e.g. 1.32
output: 10.14
